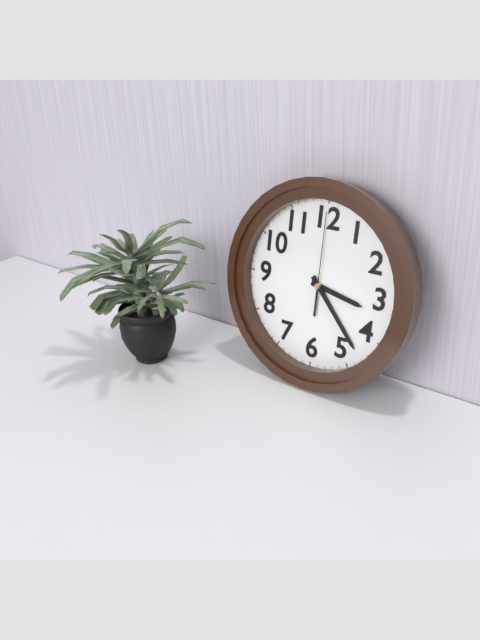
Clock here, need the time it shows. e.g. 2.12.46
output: 3.23.00
